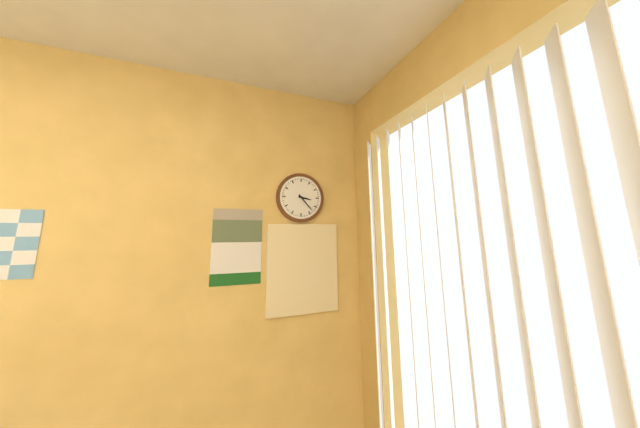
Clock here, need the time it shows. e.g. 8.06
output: 3.23
